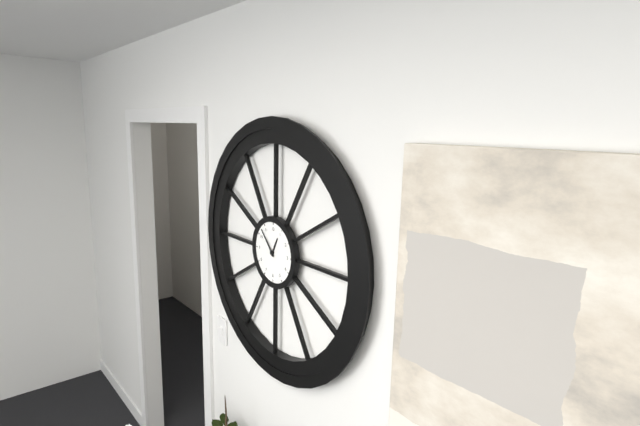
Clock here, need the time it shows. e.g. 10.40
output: 12.53
